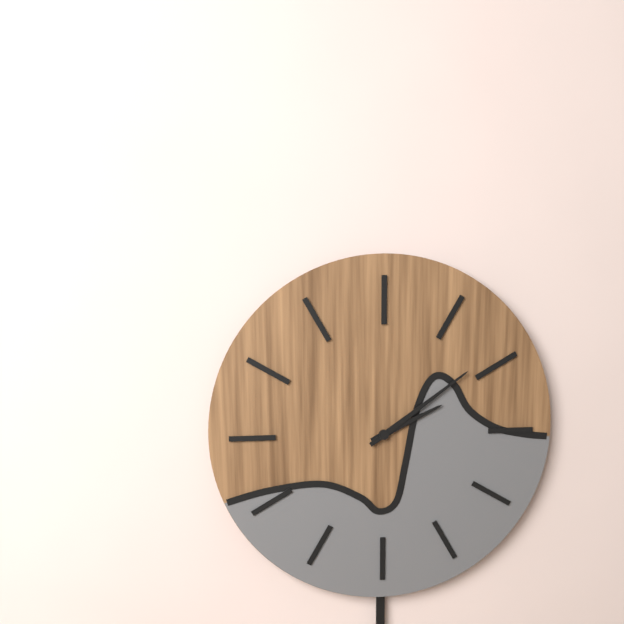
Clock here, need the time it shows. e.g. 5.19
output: 2.09
